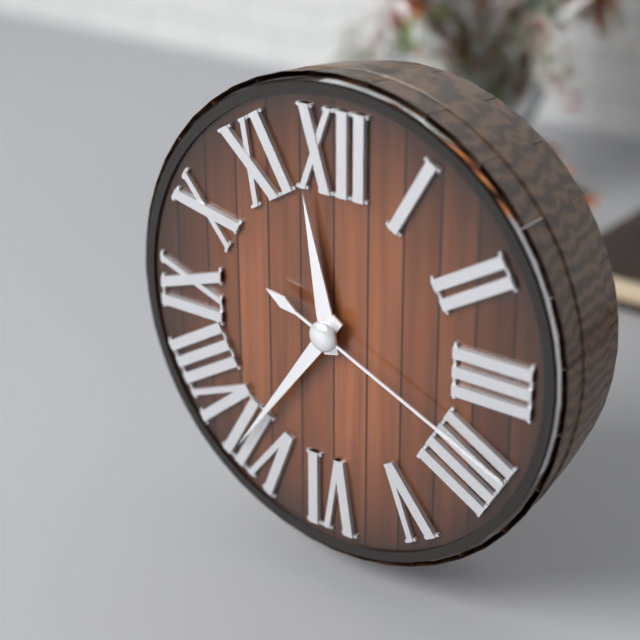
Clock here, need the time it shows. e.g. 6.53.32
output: 11.36.19
